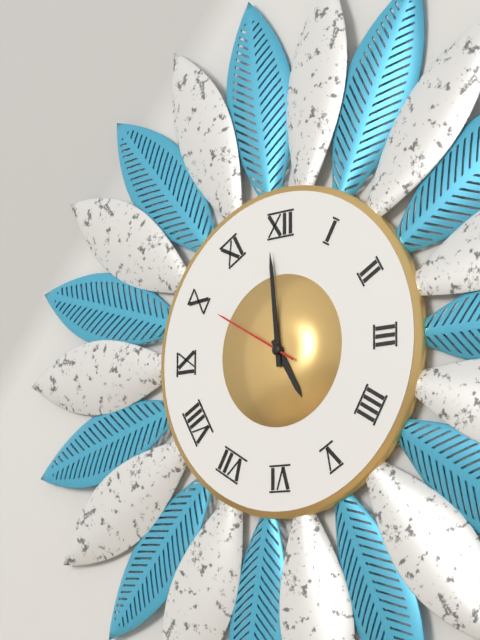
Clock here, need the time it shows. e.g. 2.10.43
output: 4.59.50
